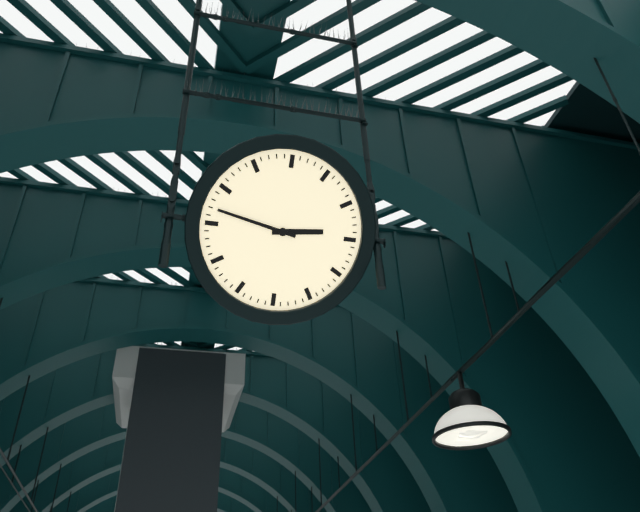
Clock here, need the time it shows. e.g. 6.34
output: 2.47
